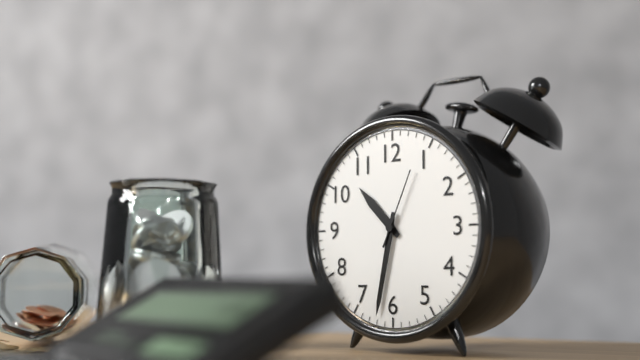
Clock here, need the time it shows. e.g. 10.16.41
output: 10.32.04
